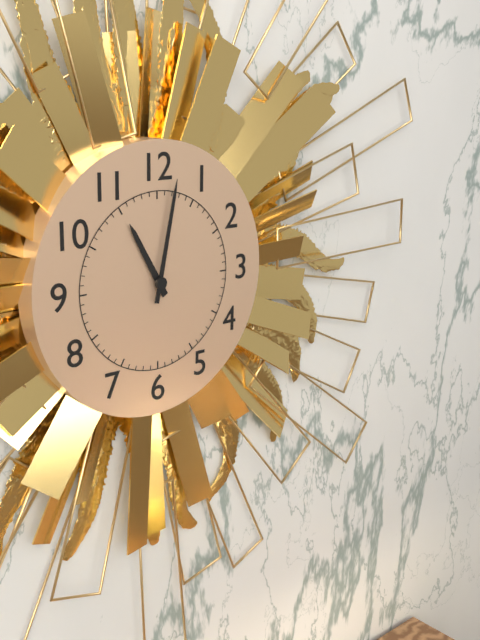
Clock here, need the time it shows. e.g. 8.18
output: 11.02
